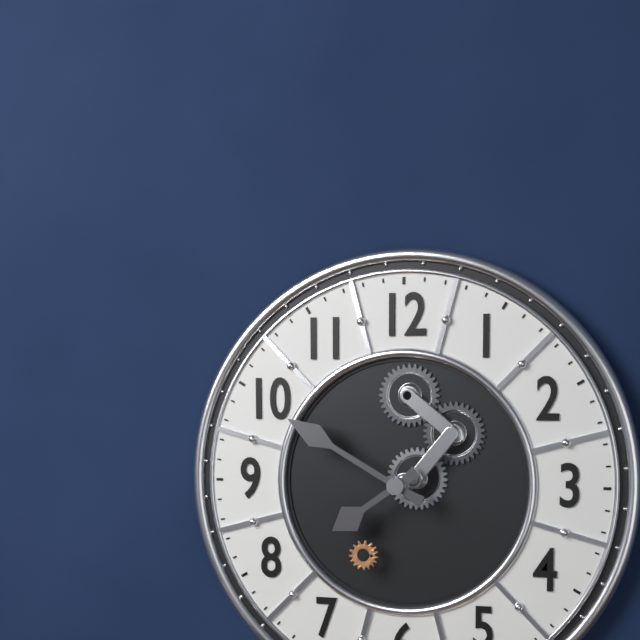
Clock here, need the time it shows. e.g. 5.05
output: 7.50
